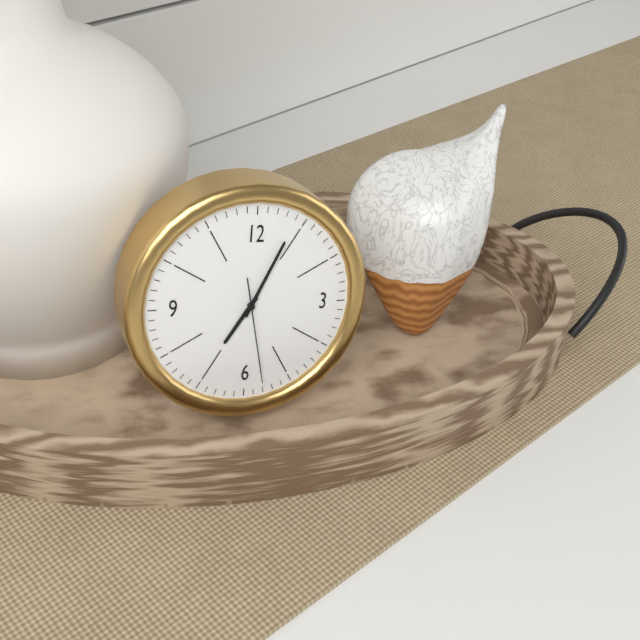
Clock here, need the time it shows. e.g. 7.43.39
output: 7.04.28
